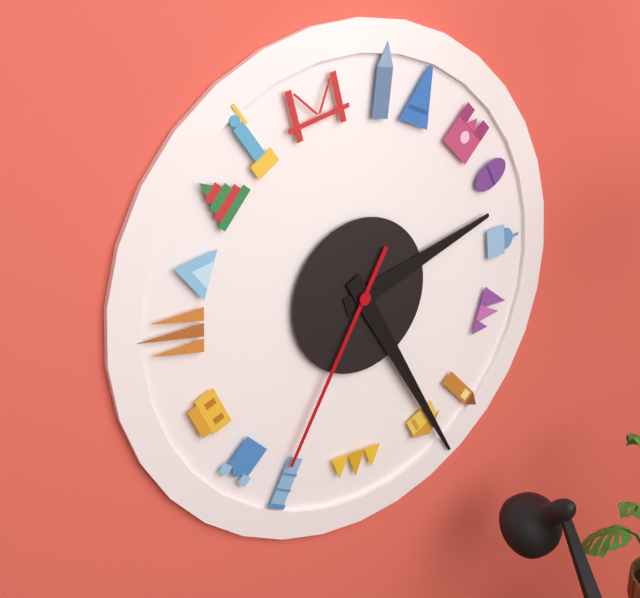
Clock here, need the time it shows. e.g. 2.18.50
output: 2.25.35
